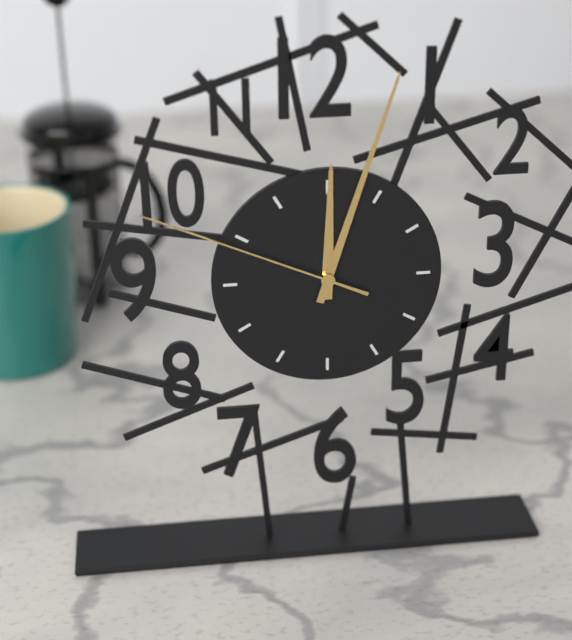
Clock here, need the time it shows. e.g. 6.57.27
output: 12.03.49
